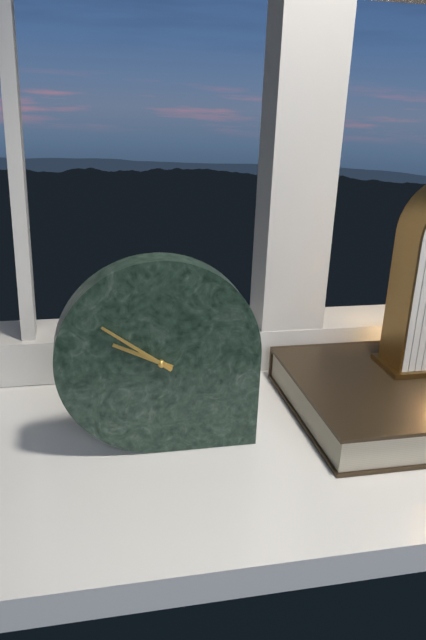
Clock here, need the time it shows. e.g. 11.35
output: 9.51
